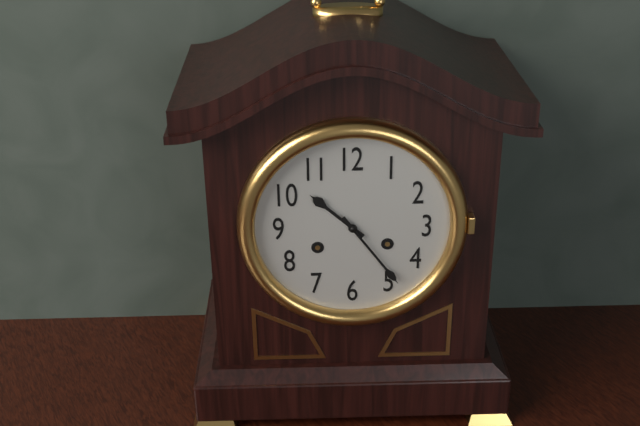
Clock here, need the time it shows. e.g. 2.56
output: 10.24
